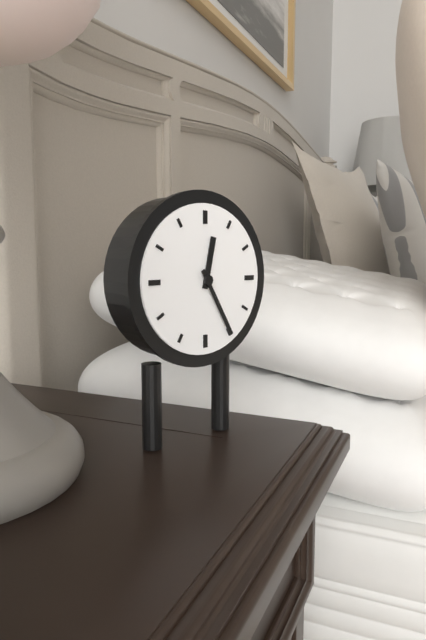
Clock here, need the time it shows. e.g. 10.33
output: 12.25
